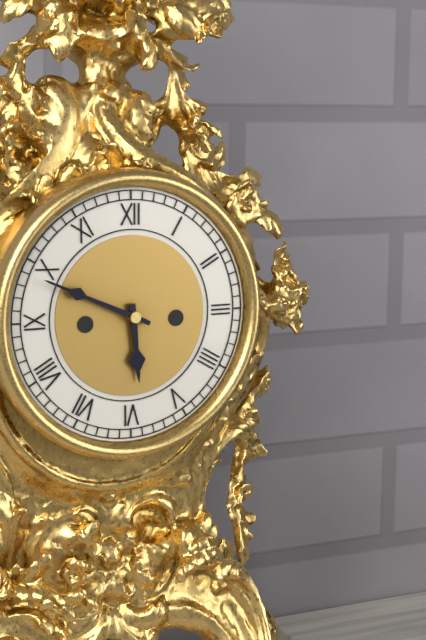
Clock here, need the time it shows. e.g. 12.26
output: 5.49
